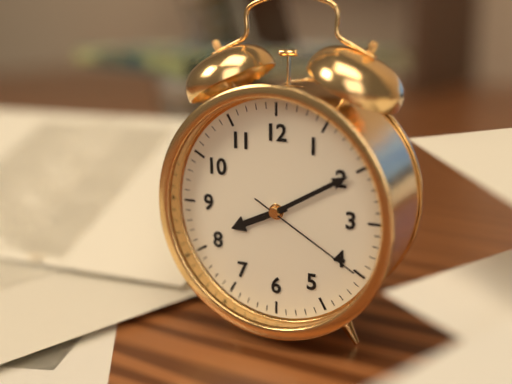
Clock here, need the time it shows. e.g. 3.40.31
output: 8.10.20
